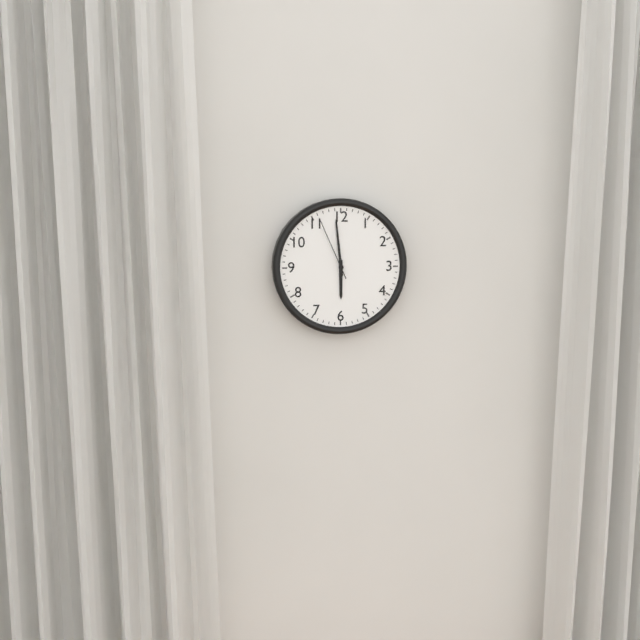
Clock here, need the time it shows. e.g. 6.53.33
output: 5.59.56
